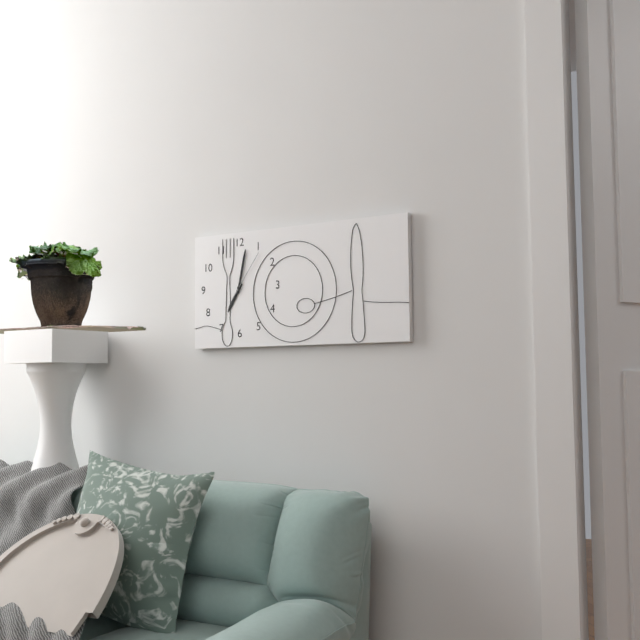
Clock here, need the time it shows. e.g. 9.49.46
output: 7.02.06
